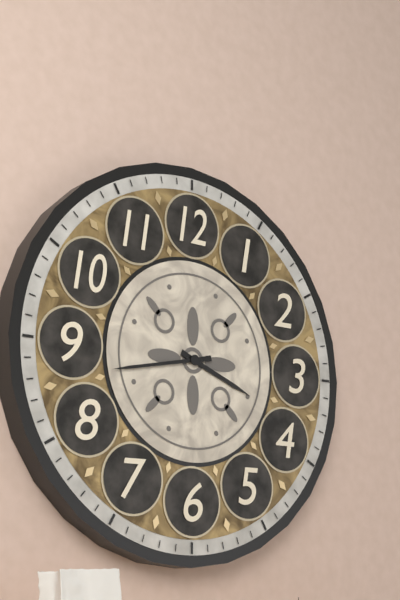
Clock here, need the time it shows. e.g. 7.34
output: 3.43
